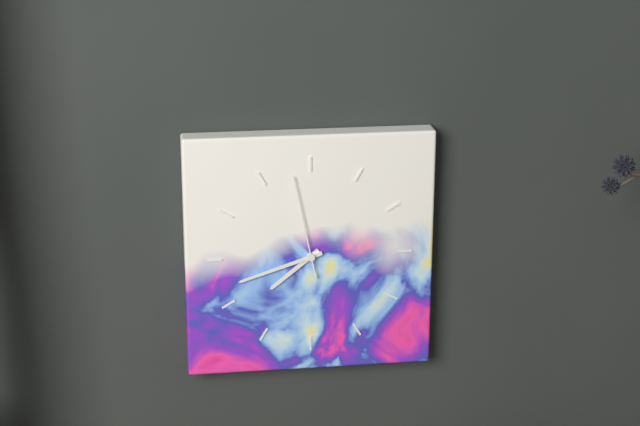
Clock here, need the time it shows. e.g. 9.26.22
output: 7.42.58
